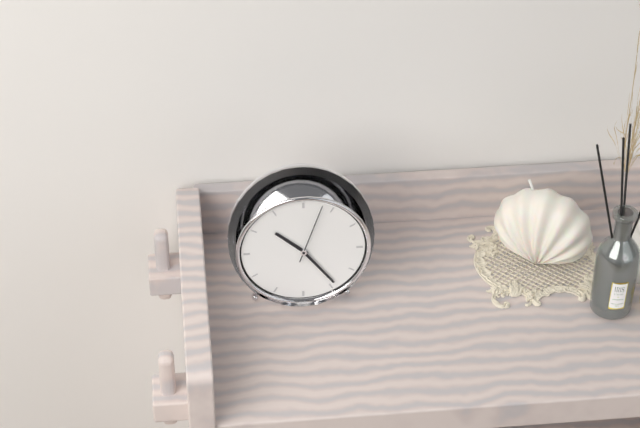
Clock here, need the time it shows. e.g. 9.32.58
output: 10.24.03
